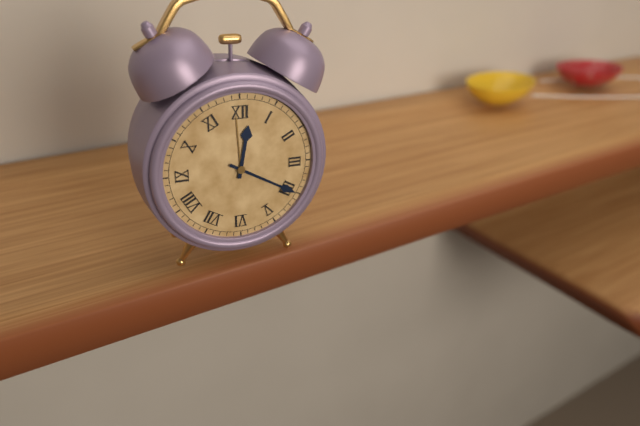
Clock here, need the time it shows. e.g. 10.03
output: 12.20
